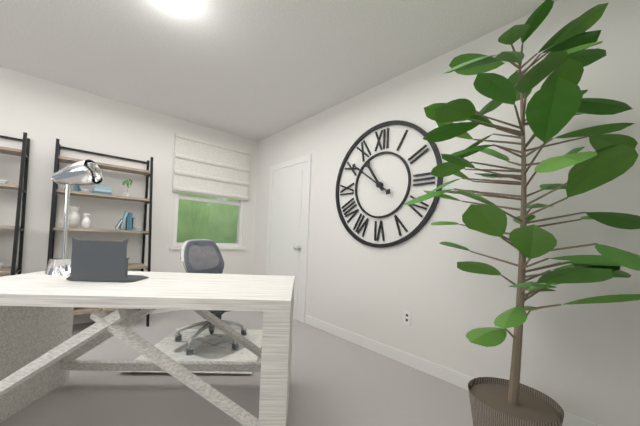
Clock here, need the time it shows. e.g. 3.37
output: 10.51
